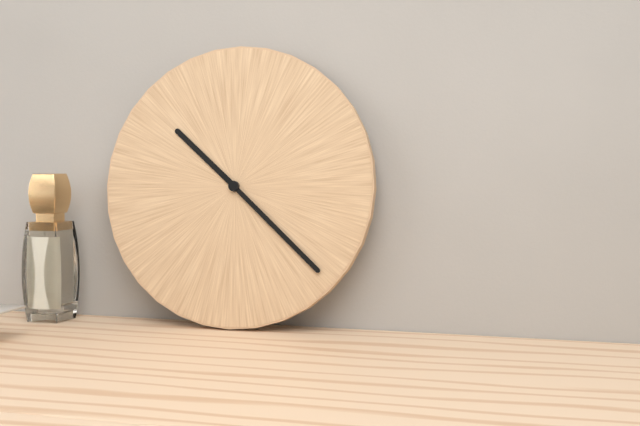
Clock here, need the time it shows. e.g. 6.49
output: 10.22
